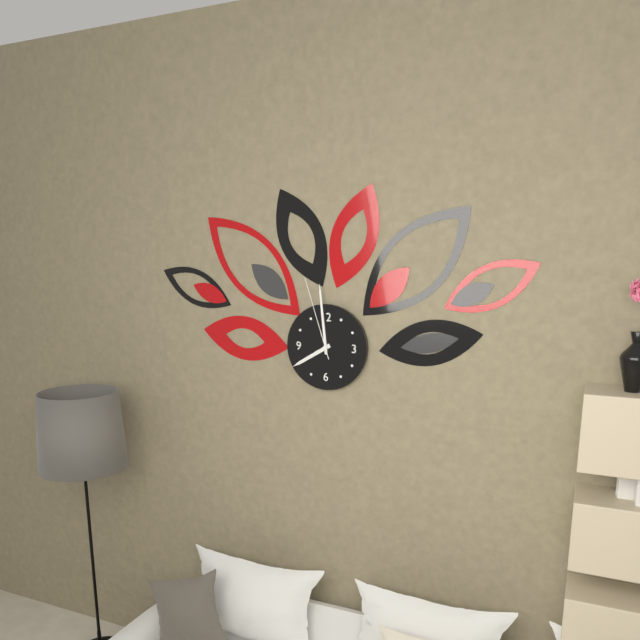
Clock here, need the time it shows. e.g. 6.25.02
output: 7.59.57
